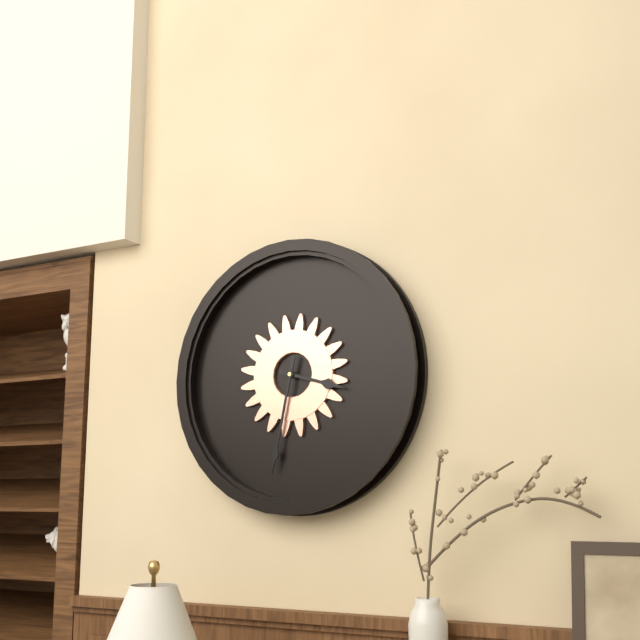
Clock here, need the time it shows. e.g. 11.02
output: 3.32
